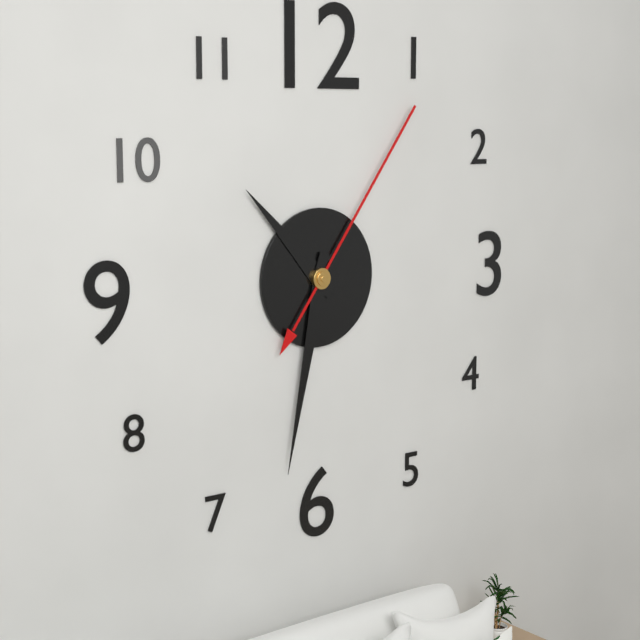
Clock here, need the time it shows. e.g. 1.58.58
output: 10.32.06
